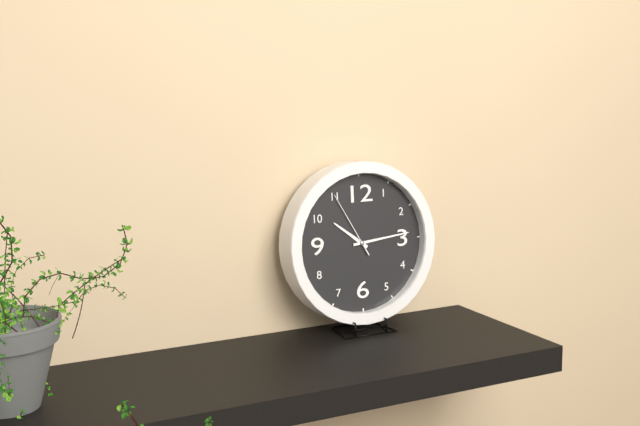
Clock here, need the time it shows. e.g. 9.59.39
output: 10.14.55
